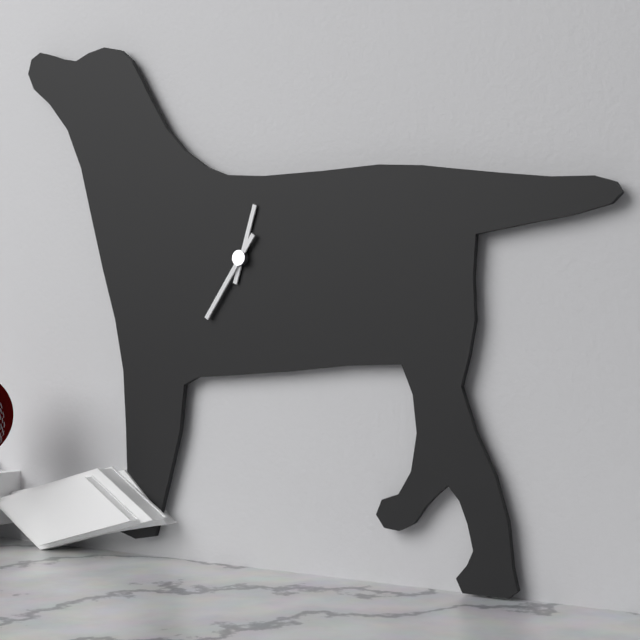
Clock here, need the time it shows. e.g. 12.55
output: 12.36
